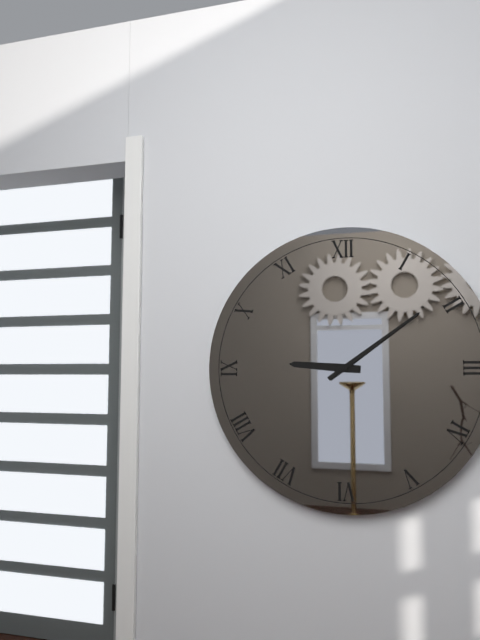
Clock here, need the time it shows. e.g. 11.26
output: 9.09
